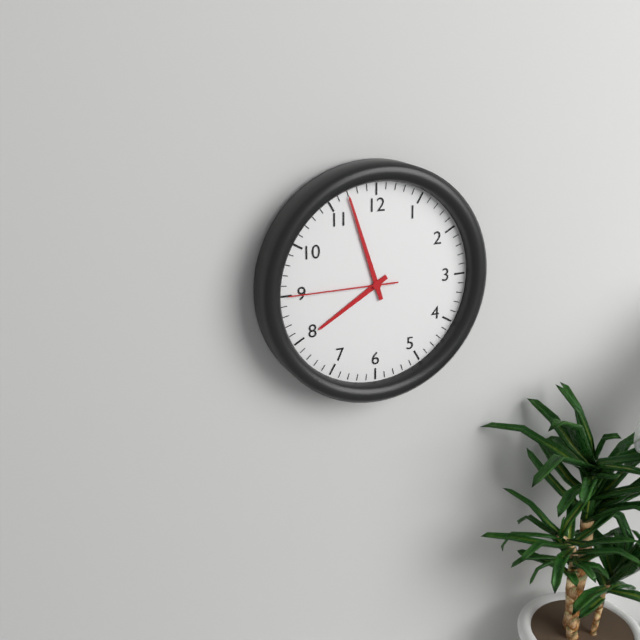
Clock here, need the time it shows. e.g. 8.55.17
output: 7.57.45
